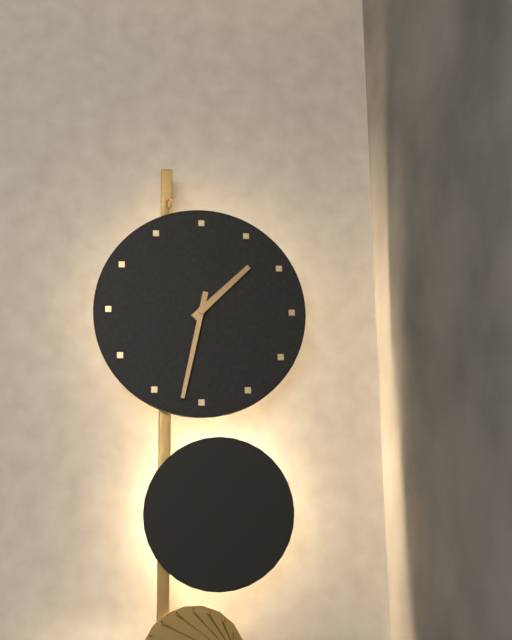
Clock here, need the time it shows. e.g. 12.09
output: 1.32
